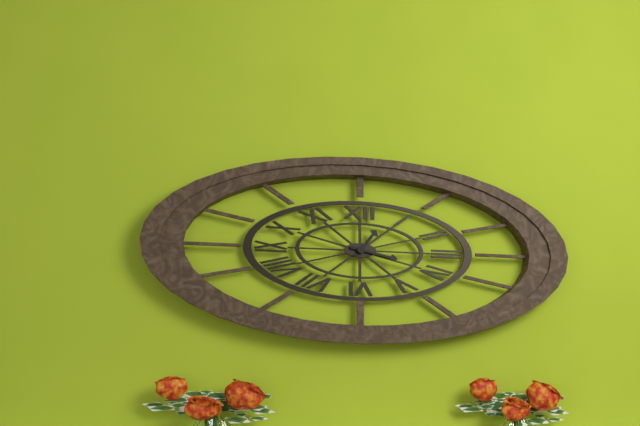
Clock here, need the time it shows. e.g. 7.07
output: 1.17
